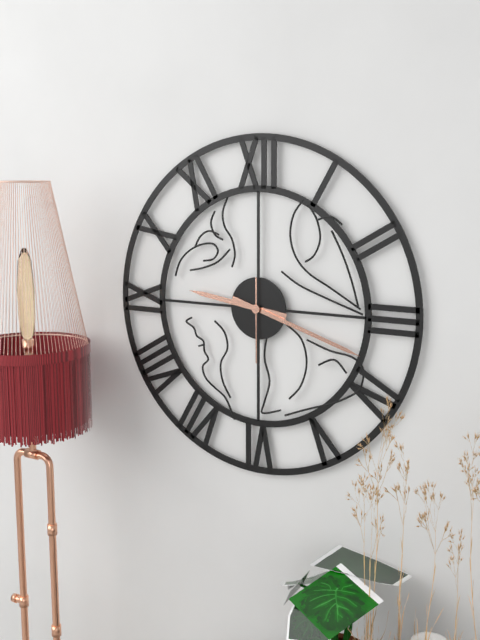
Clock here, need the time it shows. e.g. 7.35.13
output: 9.18.30
